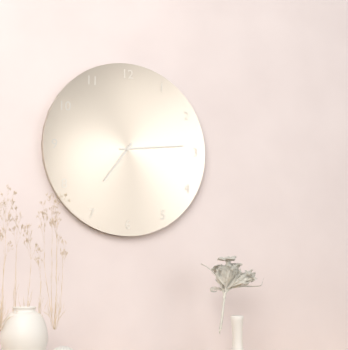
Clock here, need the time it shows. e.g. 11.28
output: 7.14
